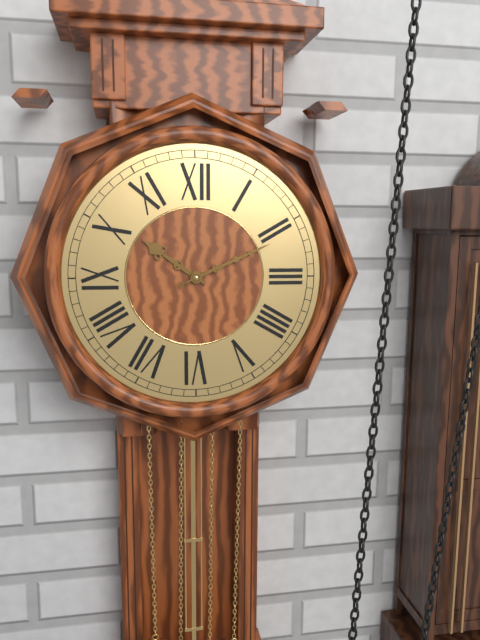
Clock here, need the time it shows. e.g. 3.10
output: 10.11
